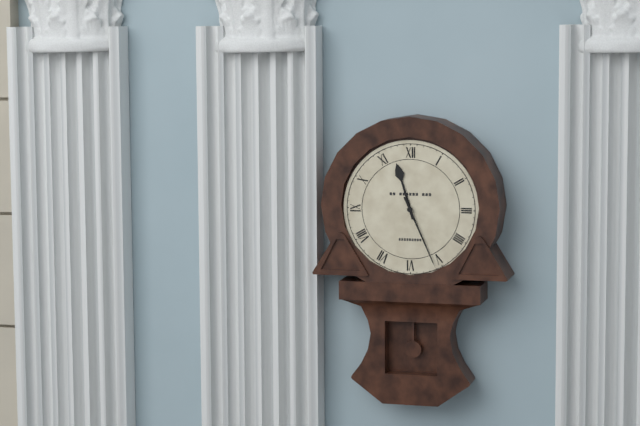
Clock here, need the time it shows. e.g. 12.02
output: 11.26
